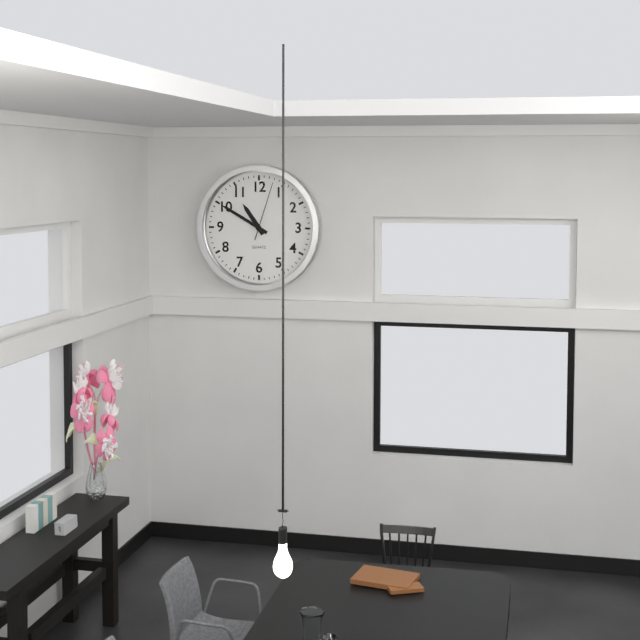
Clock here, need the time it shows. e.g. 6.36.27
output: 10.50.03
